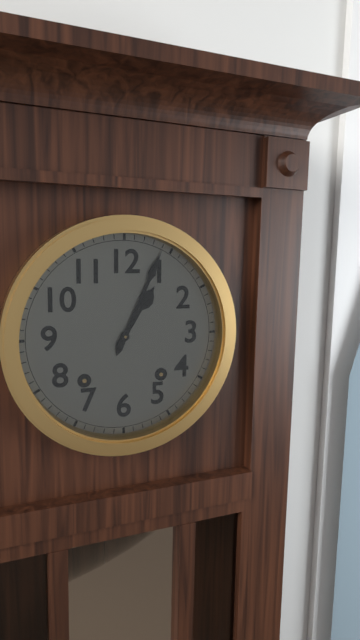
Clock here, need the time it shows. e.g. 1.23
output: 1.04
